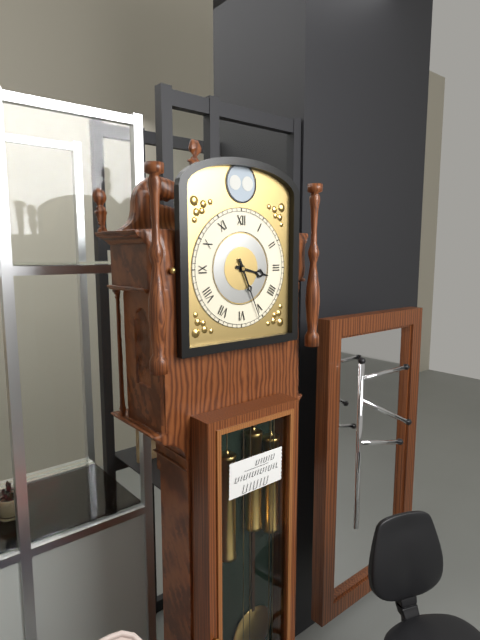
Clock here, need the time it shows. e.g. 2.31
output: 3.26
